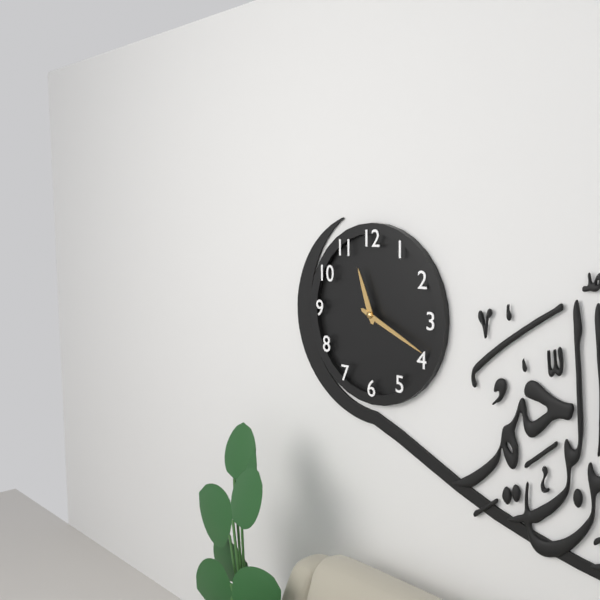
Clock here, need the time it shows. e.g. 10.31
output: 11.19
